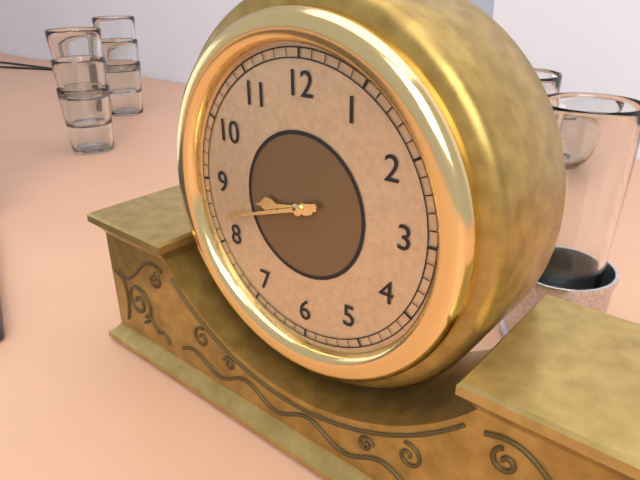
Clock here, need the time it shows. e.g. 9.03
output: 8.42
